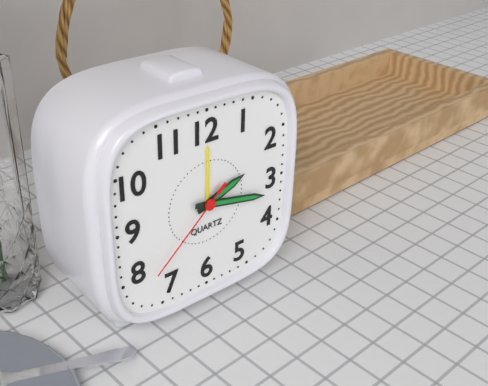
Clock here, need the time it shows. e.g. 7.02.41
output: 2.17.38
